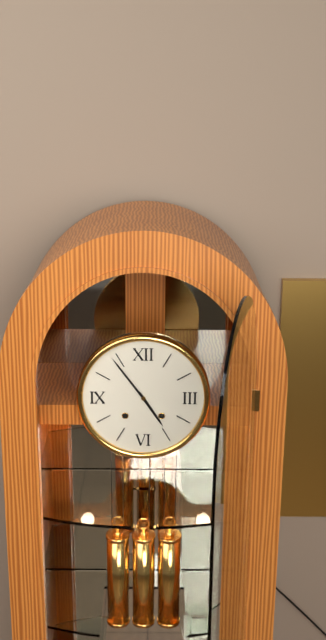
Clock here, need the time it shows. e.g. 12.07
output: 4.54
